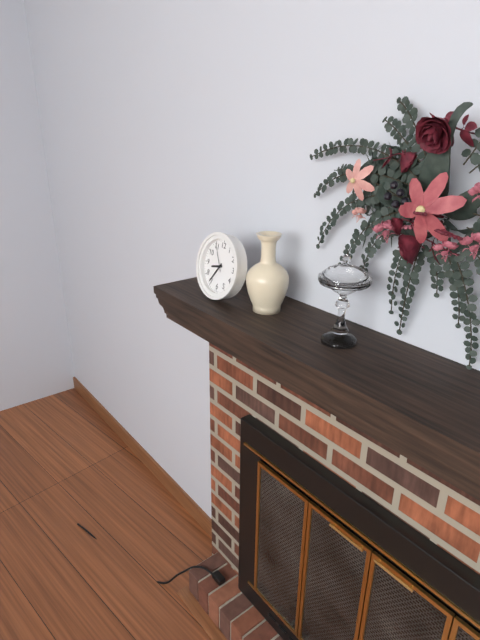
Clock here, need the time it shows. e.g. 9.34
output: 8.36
